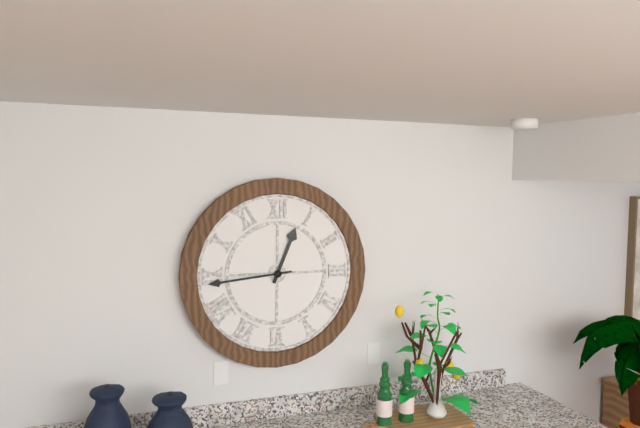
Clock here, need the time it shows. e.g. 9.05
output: 12.44
